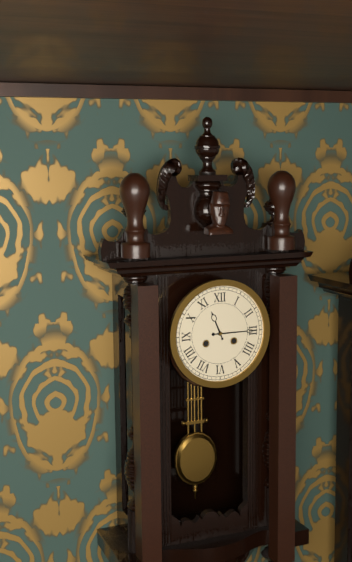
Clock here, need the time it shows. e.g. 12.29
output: 11.15
